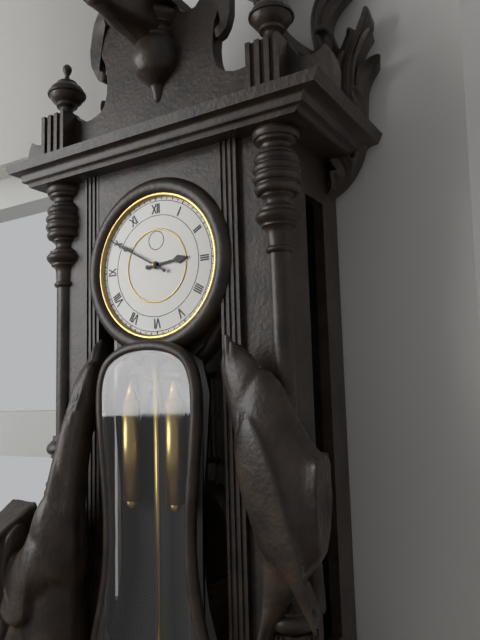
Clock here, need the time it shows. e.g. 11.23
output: 2.50
